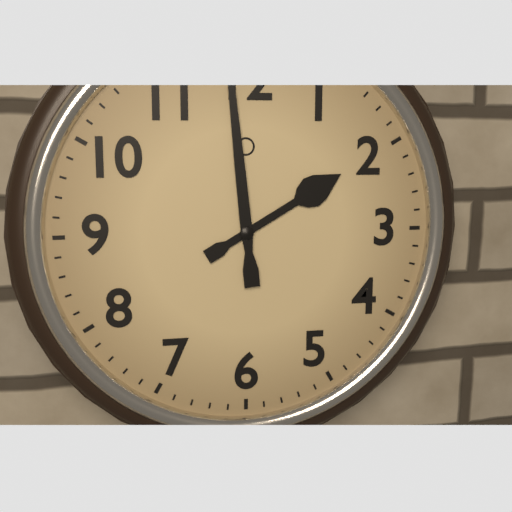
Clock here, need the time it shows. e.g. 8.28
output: 1.59
